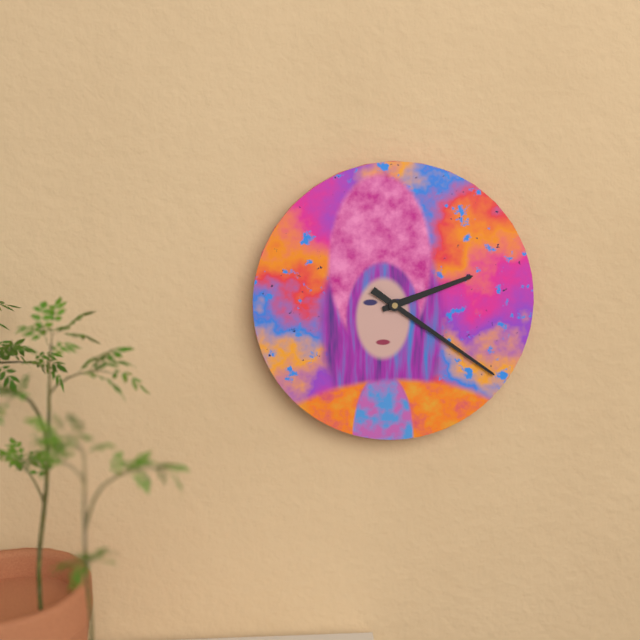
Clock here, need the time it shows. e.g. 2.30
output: 2.21
